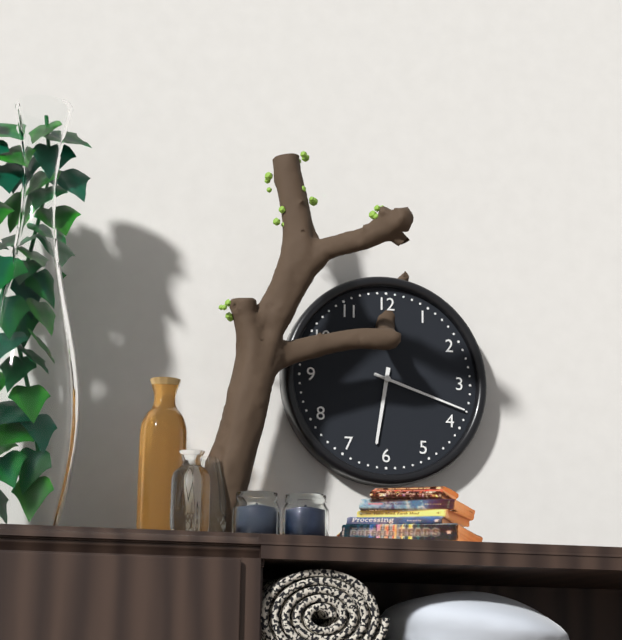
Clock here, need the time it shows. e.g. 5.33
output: 6.18
